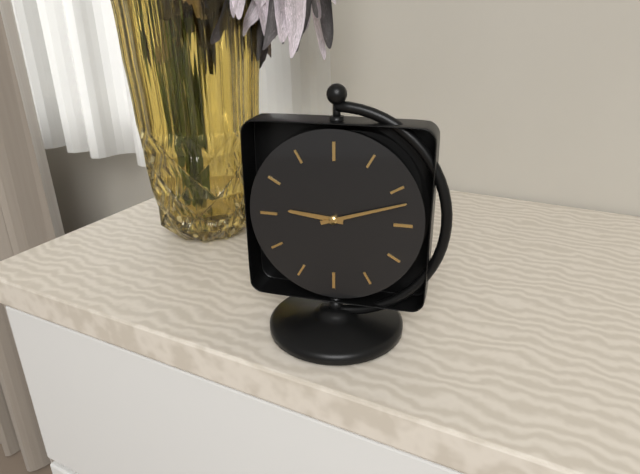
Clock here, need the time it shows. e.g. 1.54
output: 9.12
